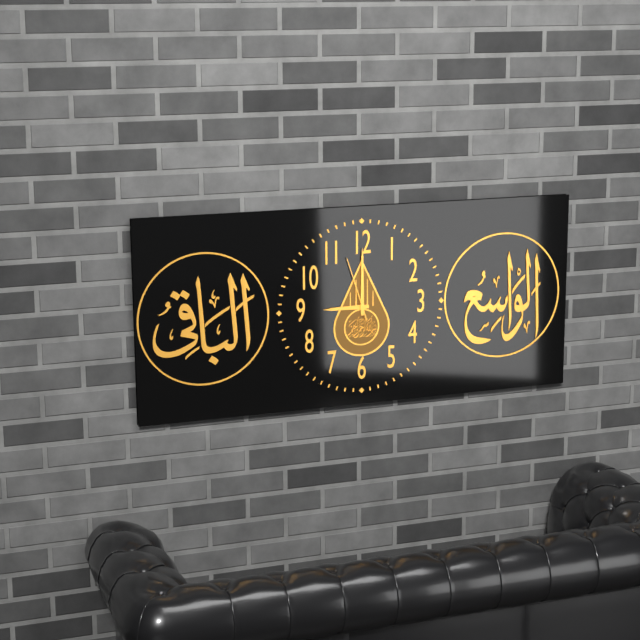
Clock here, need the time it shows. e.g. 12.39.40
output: 9.00.57
